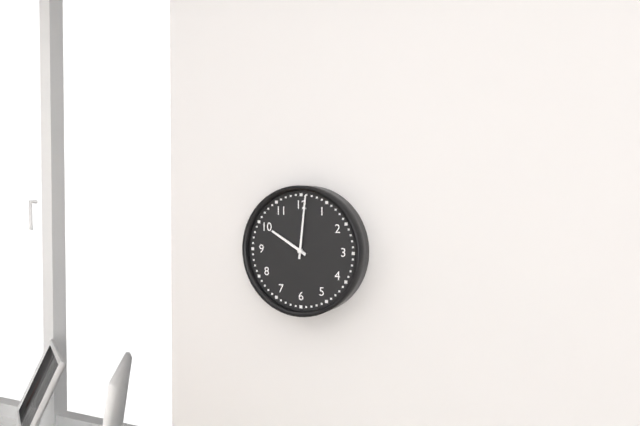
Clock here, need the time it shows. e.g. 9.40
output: 10.01
